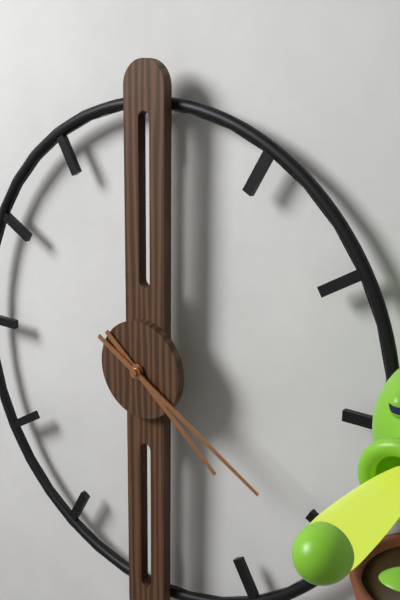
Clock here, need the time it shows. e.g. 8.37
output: 4.20
